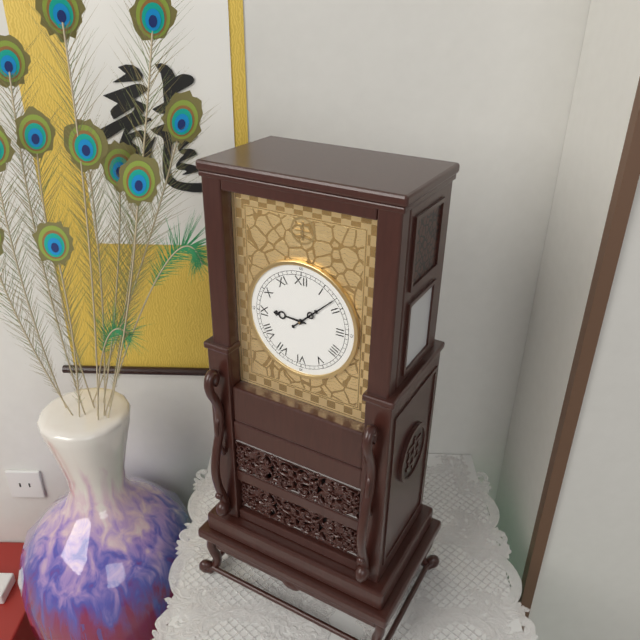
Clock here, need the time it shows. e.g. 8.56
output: 9.08
